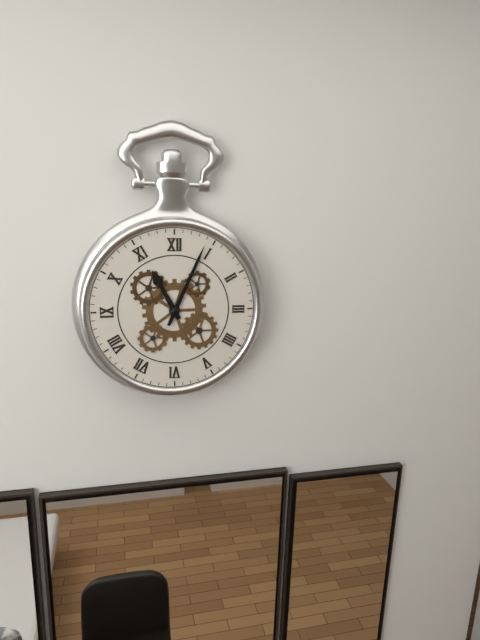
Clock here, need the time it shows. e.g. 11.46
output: 11.04
